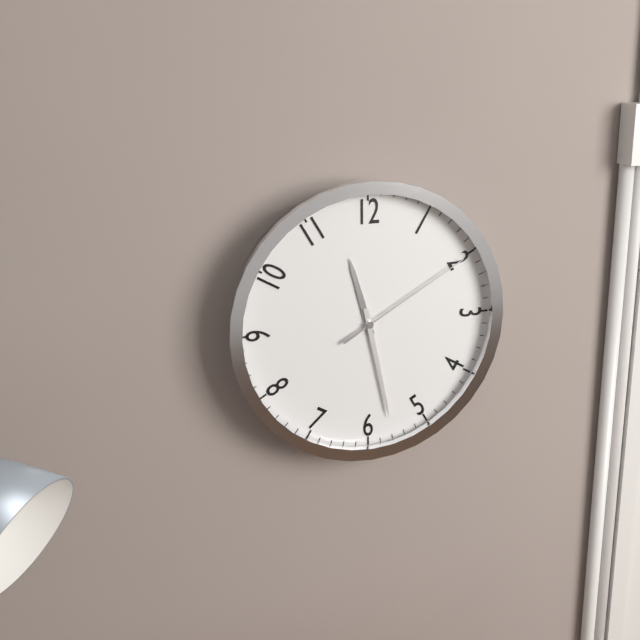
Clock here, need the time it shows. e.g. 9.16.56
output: 11.28.10
